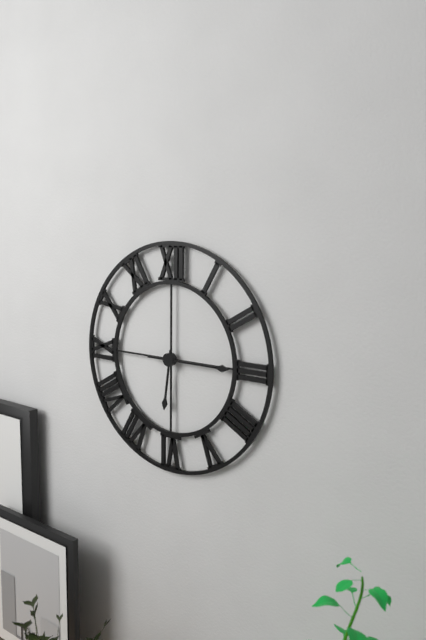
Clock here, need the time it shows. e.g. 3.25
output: 6.15
